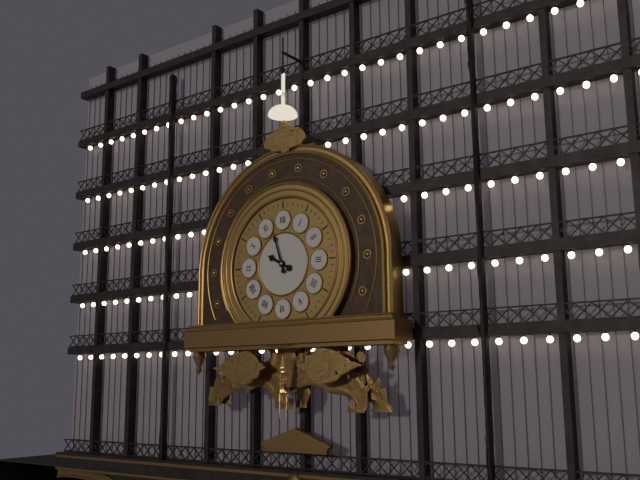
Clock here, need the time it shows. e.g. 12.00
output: 9.57
